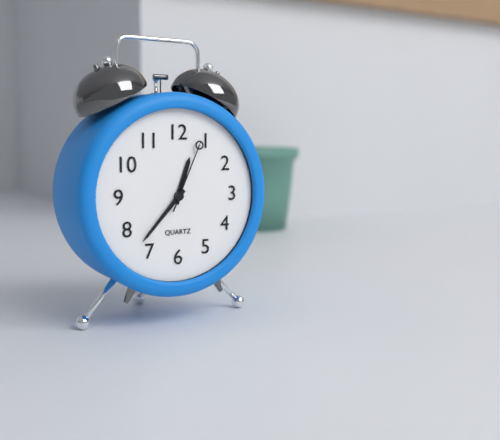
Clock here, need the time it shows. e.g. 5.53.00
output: 12.37.04
